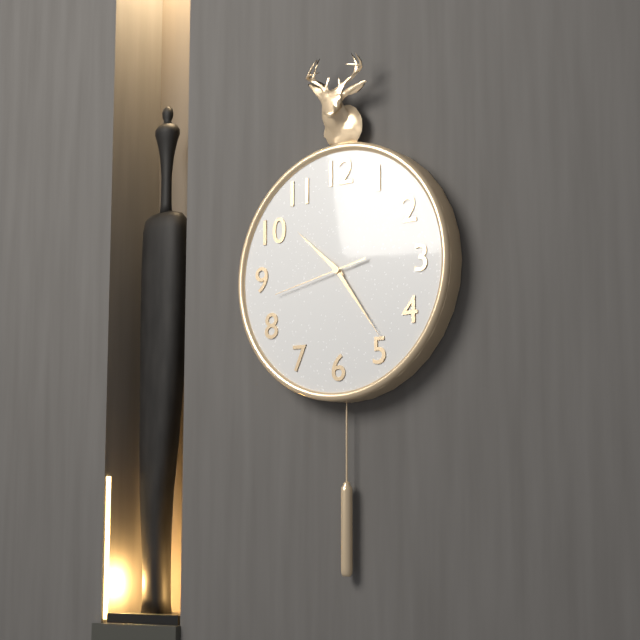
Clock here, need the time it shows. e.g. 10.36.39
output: 10.24.43
